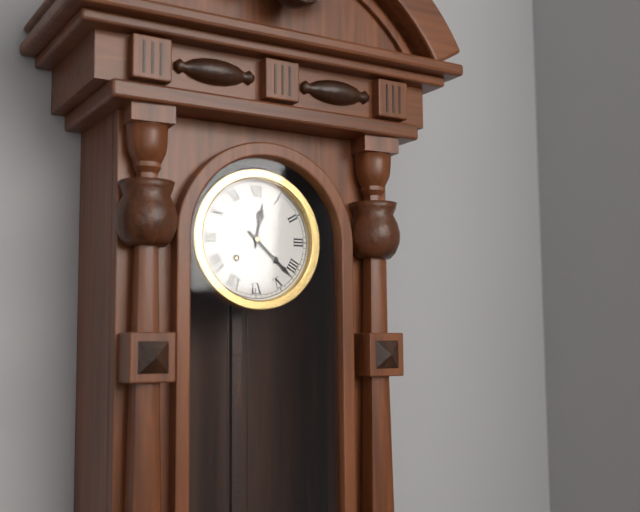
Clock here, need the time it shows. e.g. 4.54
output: 12.22
